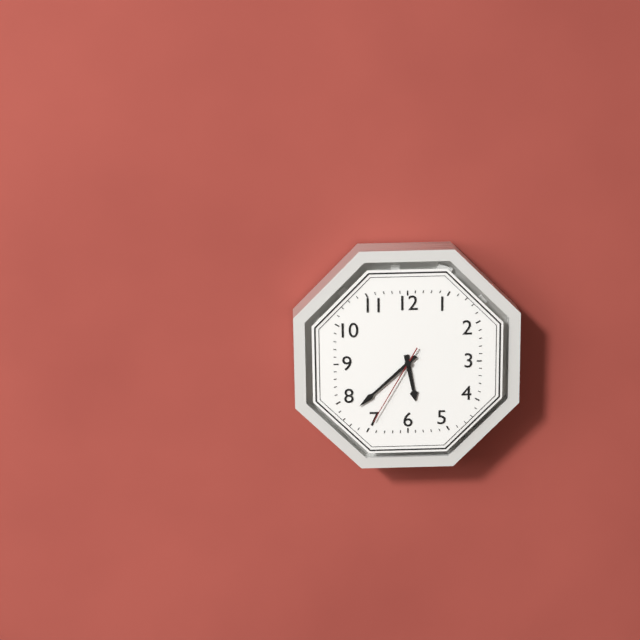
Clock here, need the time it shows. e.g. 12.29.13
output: 5.38.35
